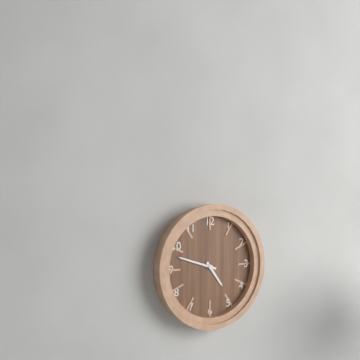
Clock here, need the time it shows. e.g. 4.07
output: 4.48
